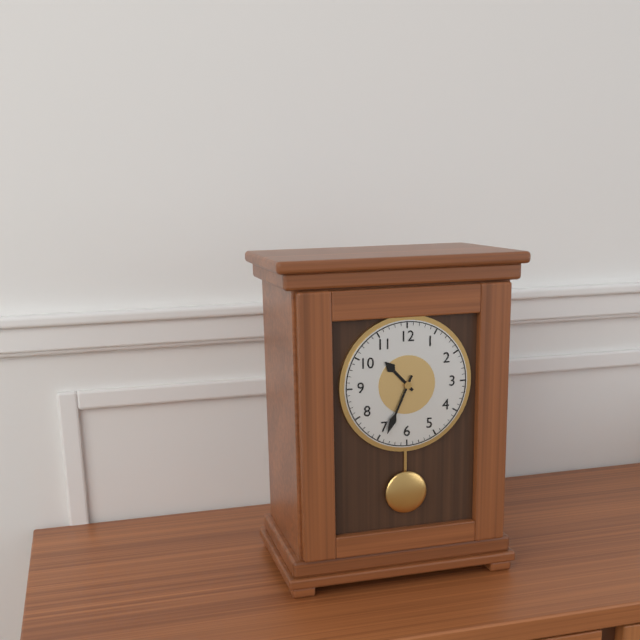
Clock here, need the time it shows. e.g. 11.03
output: 10.34
